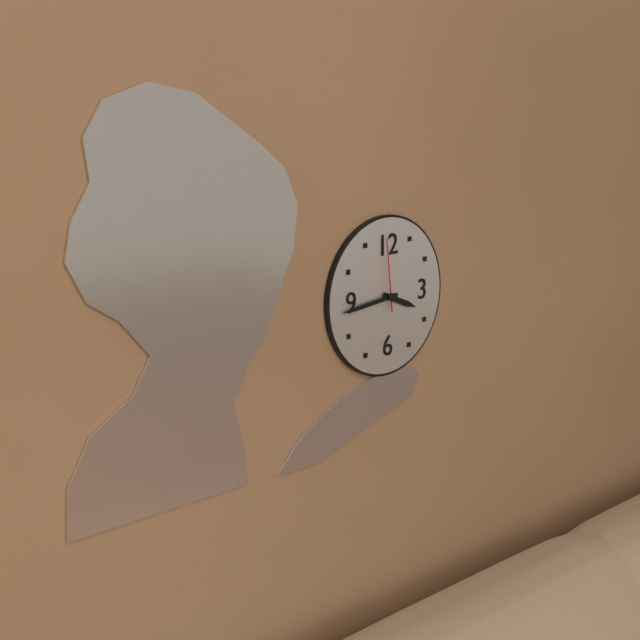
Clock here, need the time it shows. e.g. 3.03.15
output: 3.44.59
